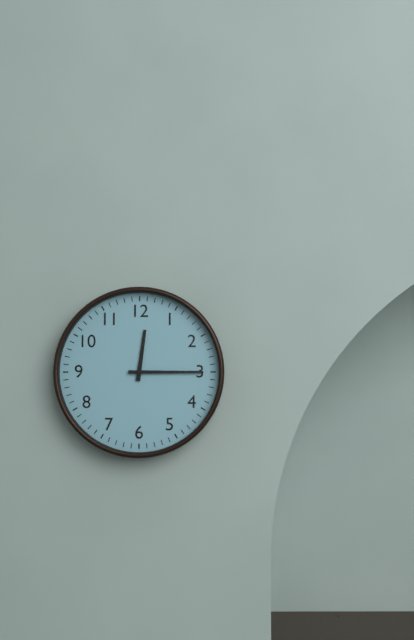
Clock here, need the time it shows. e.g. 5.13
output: 12.15
